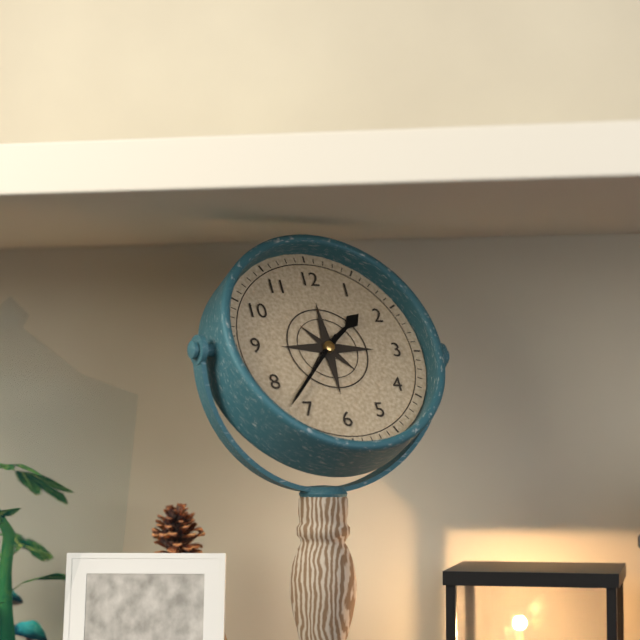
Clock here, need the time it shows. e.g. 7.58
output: 1.37
